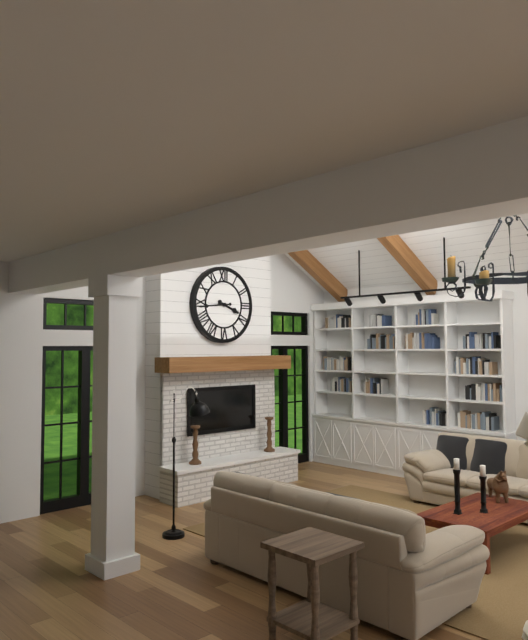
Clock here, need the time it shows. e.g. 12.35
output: 3.44
